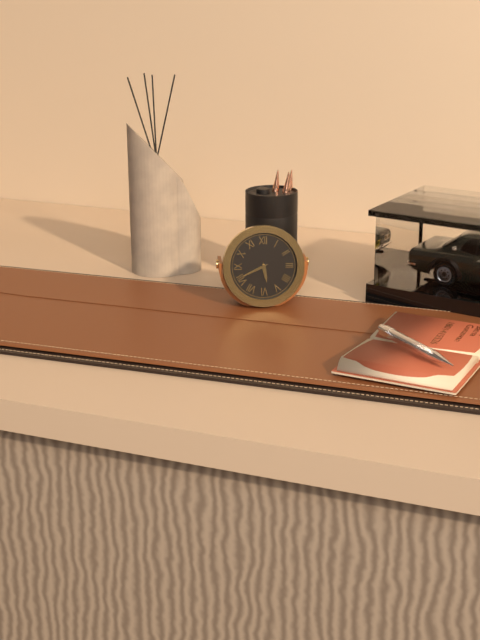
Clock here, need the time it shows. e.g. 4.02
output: 5.41
